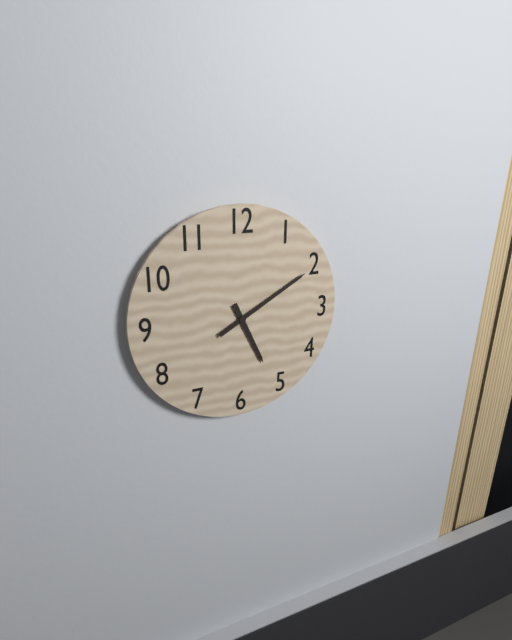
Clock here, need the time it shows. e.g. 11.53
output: 5.10
